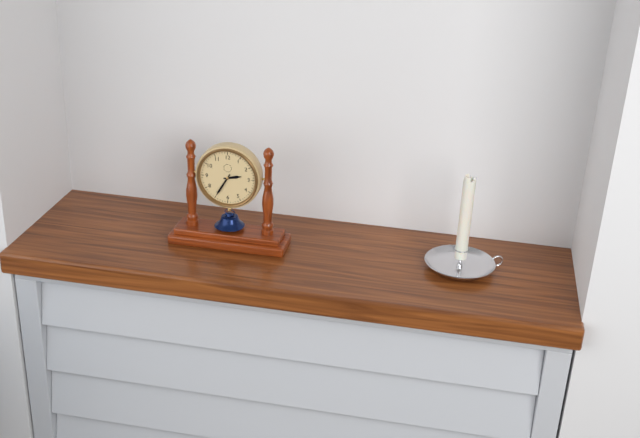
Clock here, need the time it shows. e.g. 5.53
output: 2.35
